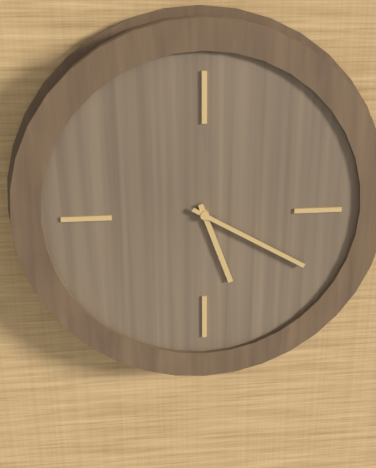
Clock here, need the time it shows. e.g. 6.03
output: 5.20
